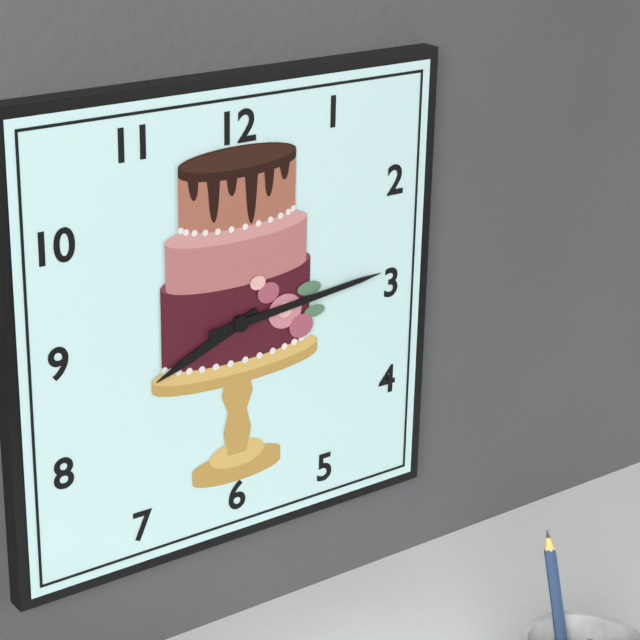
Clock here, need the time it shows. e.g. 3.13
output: 8.14
